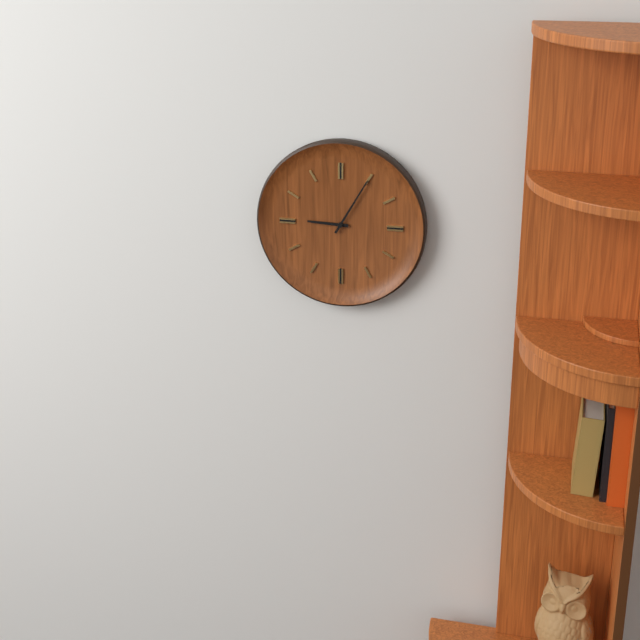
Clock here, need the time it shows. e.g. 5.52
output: 9.05
